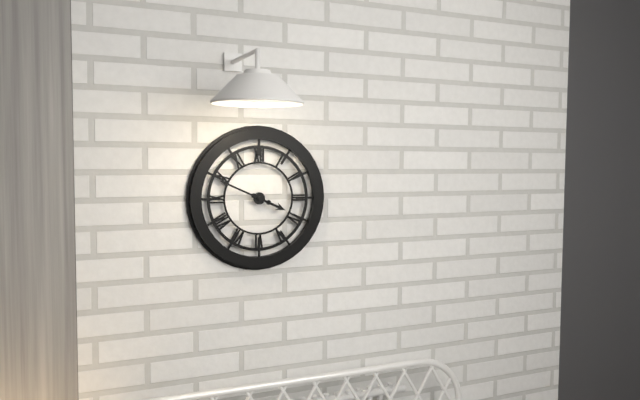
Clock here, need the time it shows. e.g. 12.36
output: 3.49
